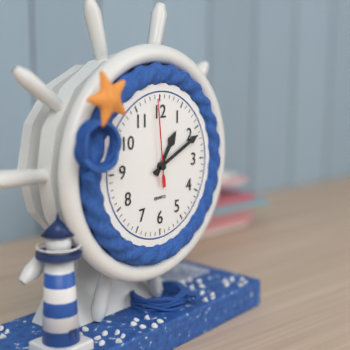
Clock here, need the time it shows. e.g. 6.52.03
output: 1.11.59
